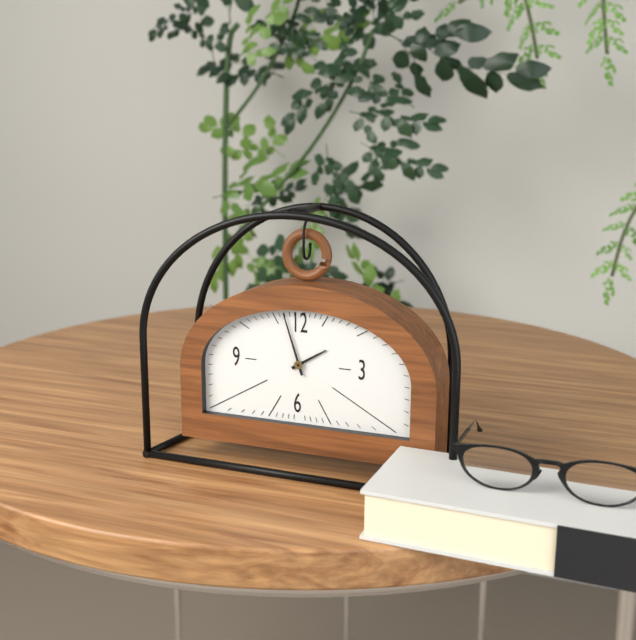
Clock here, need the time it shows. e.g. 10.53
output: 1.57
